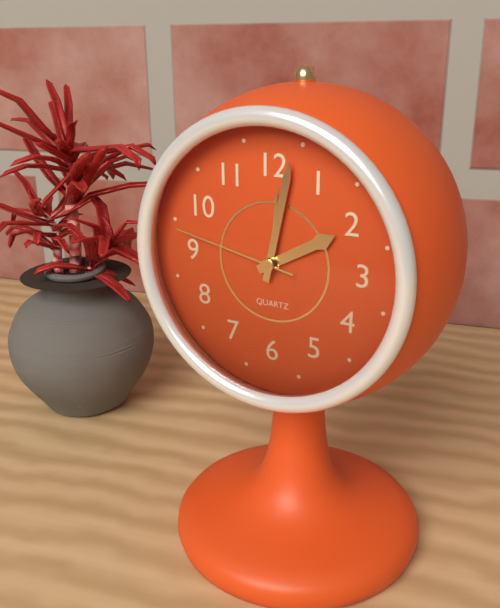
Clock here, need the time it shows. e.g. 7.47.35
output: 2.02.47
